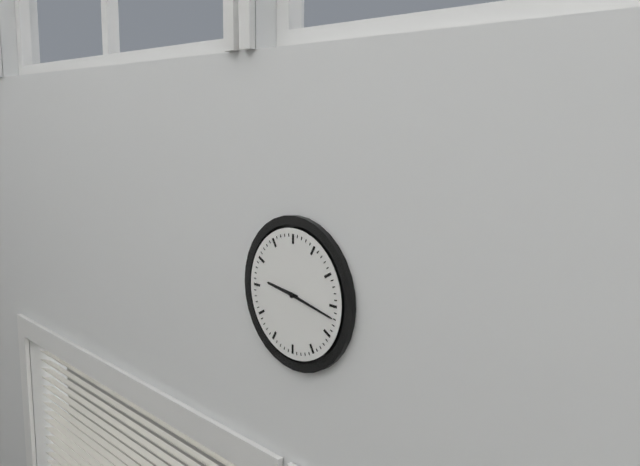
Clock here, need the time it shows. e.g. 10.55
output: 9.17
